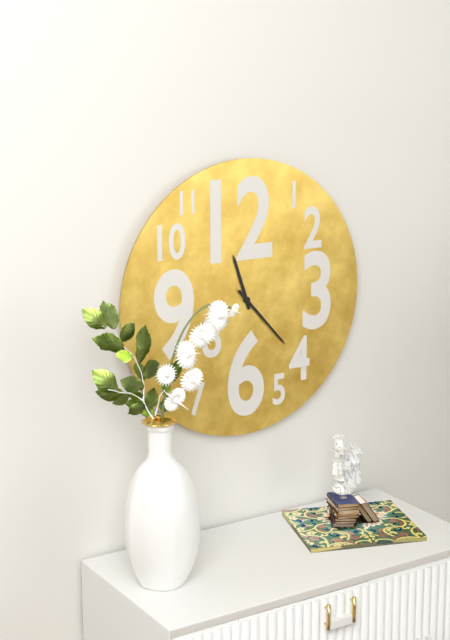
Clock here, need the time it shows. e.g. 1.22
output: 11.23
